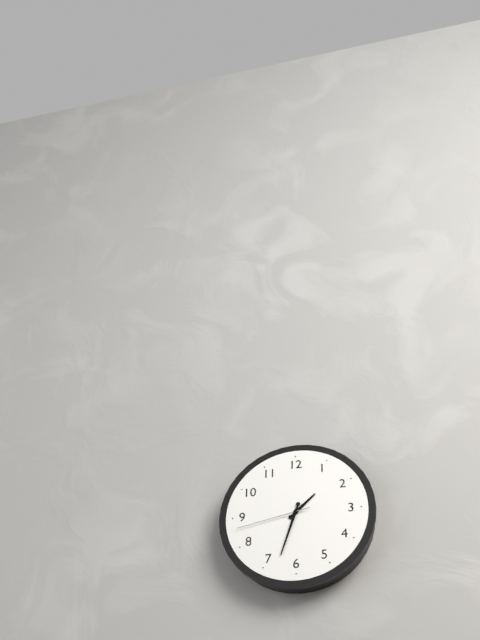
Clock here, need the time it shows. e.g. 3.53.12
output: 1.33.43
